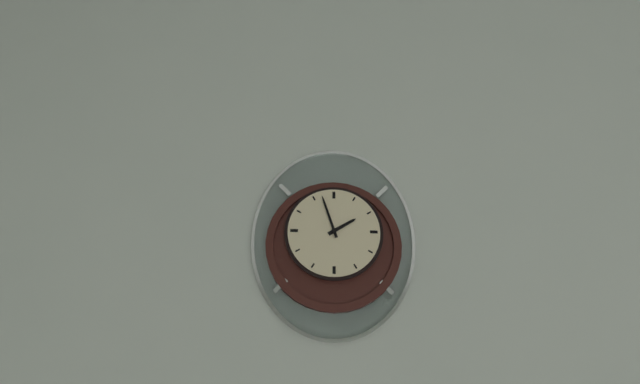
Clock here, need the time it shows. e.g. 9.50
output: 1.57
